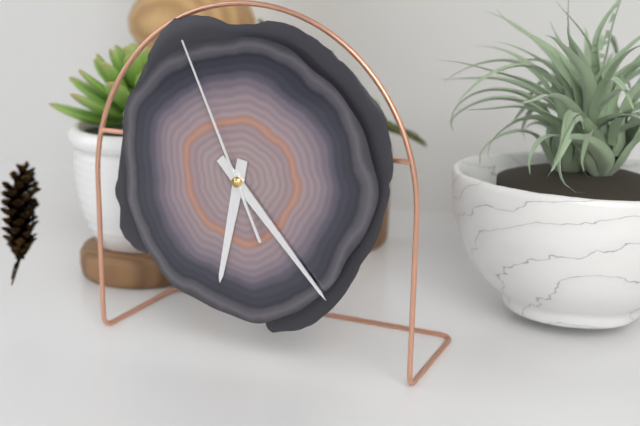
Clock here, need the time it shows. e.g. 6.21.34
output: 6.23.56
